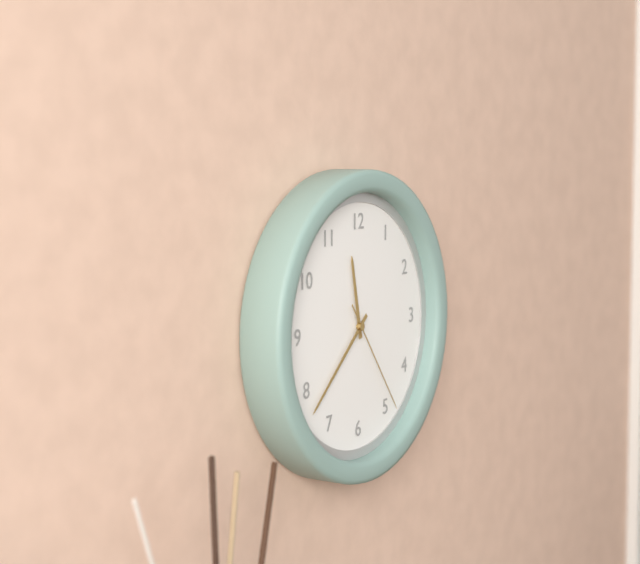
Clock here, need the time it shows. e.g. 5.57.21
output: 11.38.24
